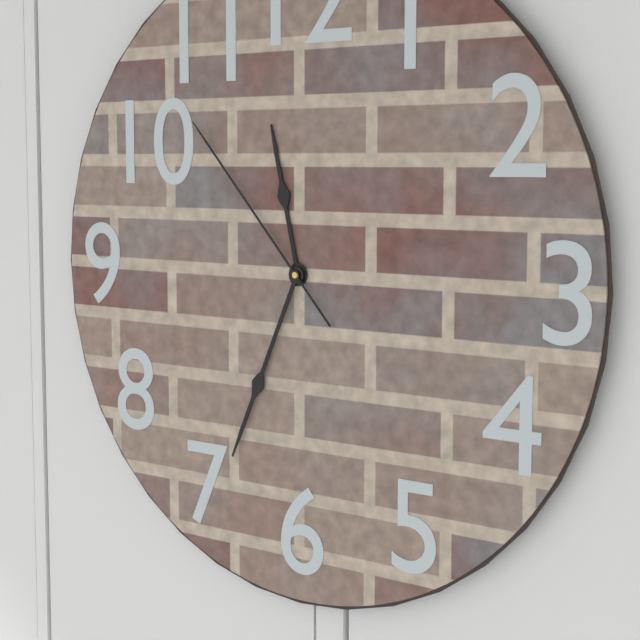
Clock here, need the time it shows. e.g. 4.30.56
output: 11.34.53
